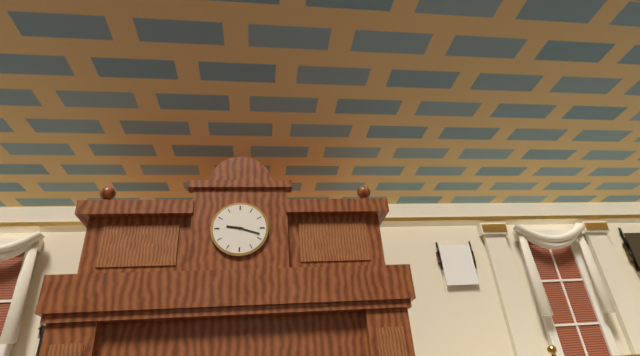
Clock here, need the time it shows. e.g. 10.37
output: 9.18
